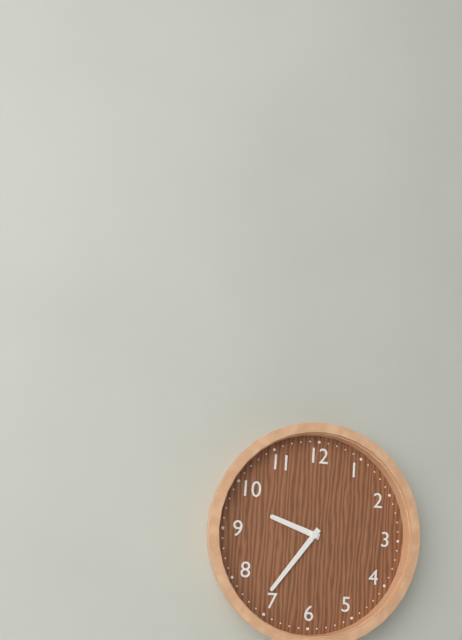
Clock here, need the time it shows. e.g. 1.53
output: 9.36
